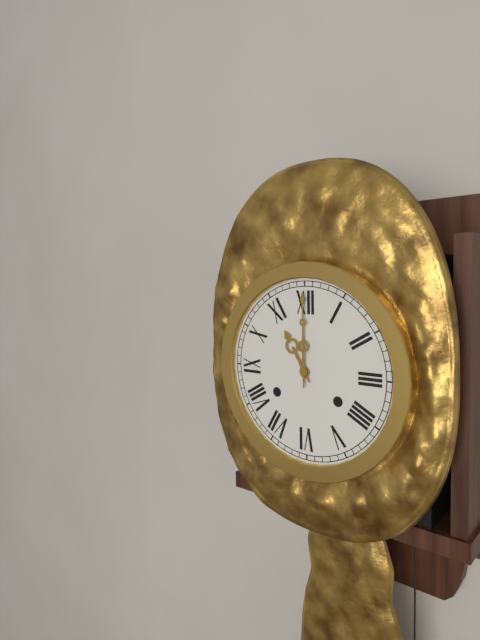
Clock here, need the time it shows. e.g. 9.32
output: 11.00
